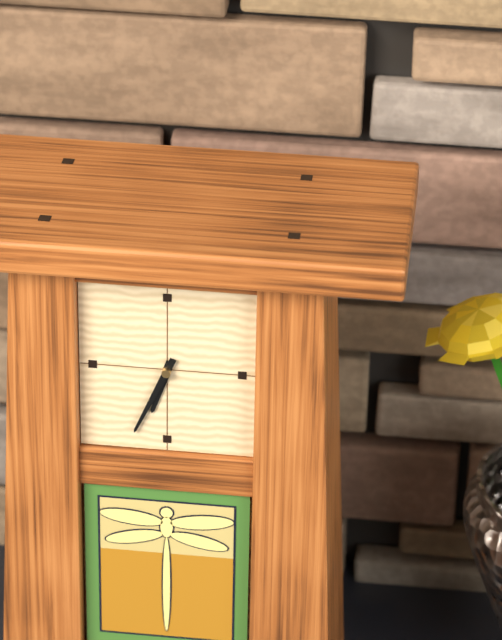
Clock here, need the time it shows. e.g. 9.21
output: 6.34
